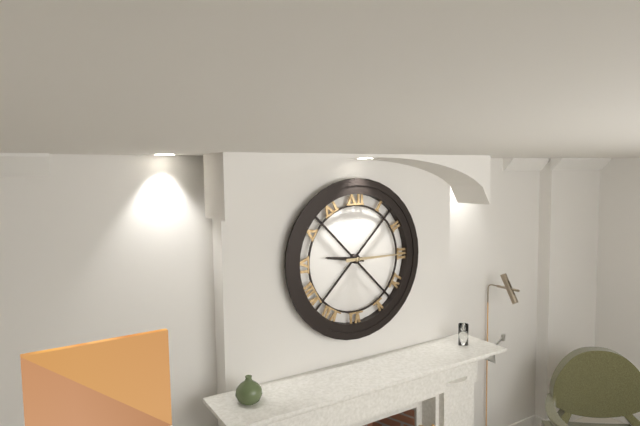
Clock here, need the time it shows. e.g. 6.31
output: 9.15
